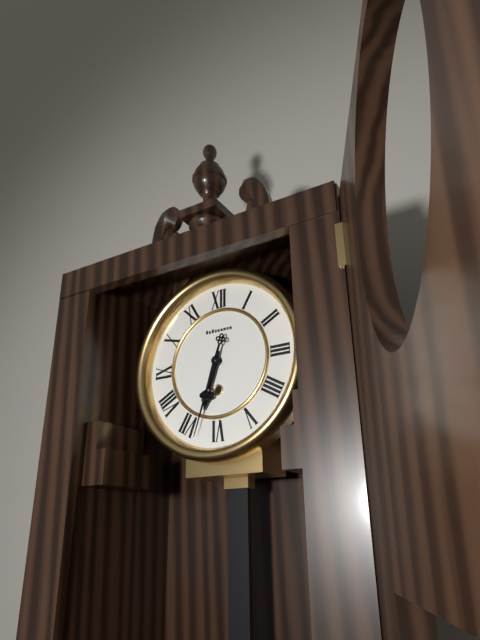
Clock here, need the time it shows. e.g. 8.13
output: 6.33
